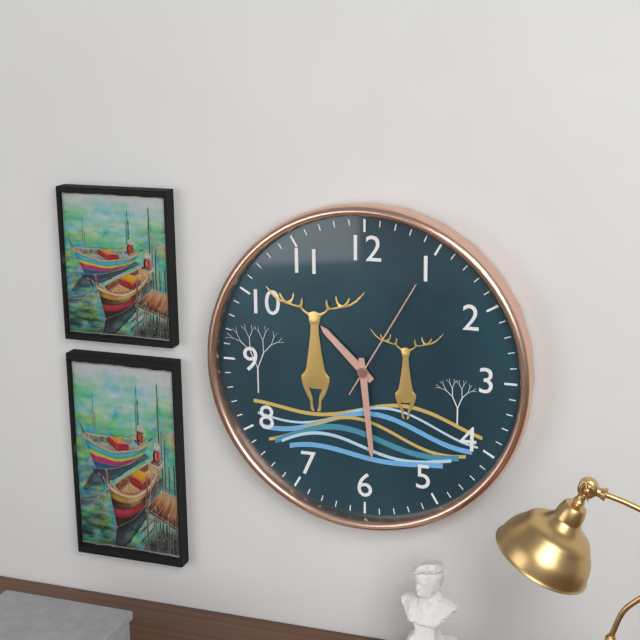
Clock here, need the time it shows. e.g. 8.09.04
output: 10.29.05
